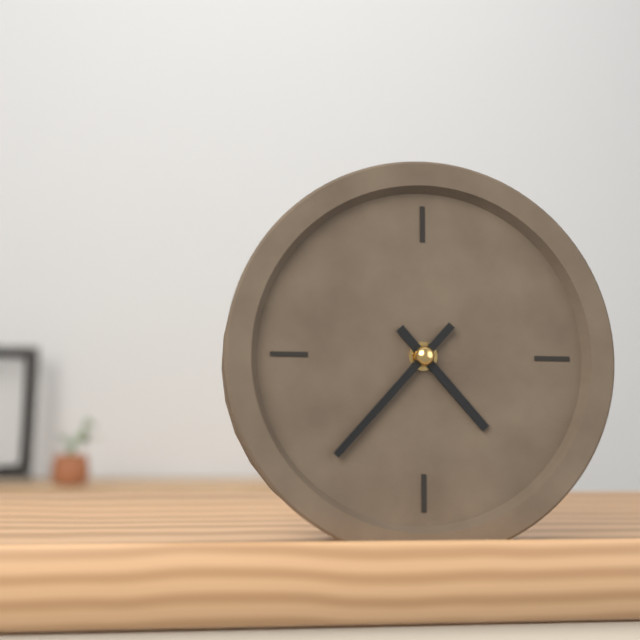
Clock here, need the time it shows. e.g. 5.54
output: 4.37
